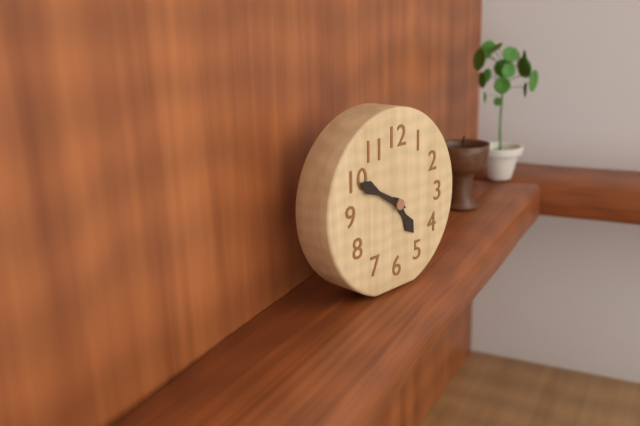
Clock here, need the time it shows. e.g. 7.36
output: 4.50
